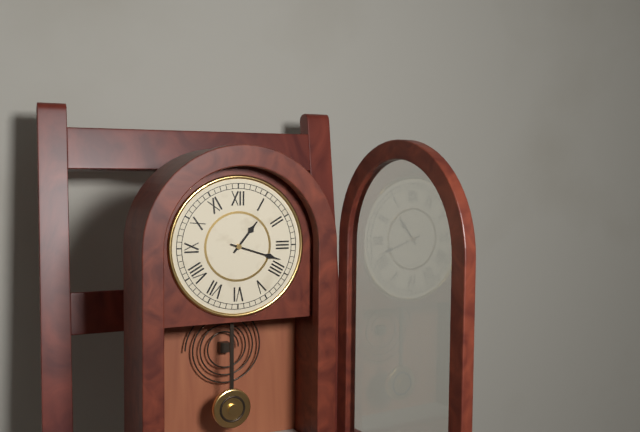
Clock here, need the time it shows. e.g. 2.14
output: 1.18
